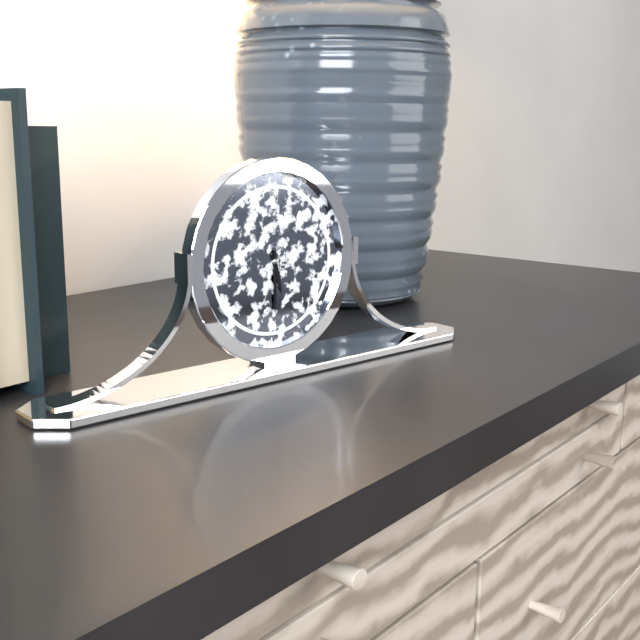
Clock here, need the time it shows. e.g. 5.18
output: 5.30
